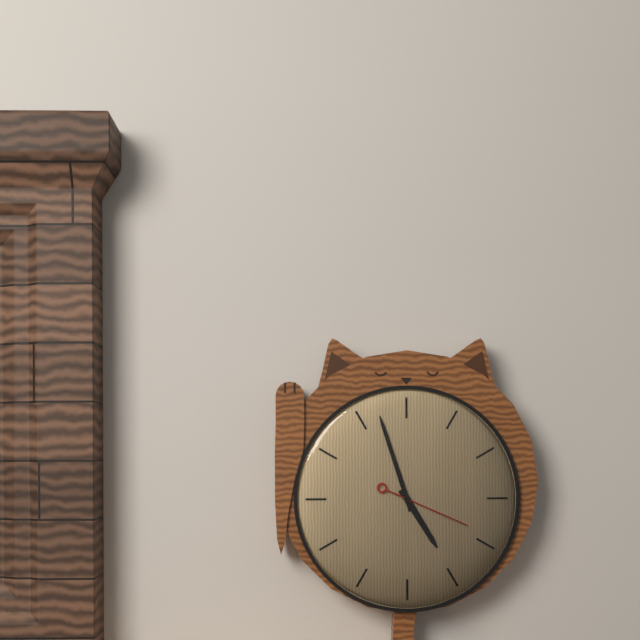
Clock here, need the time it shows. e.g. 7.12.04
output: 4.57.19
